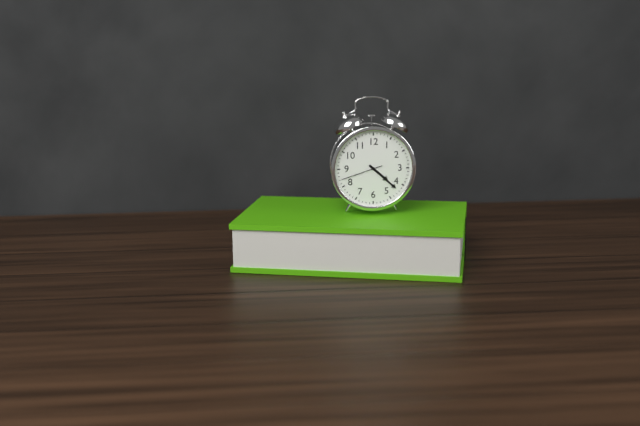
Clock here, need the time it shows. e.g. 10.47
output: 4.22
